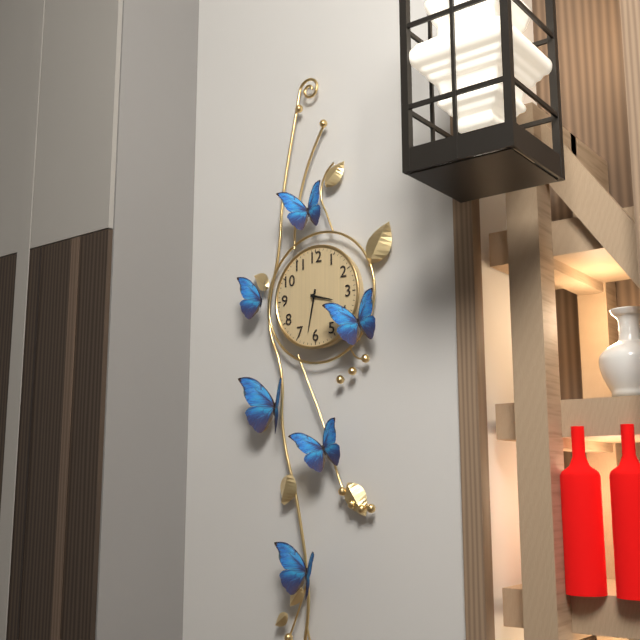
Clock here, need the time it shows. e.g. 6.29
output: 3.32
